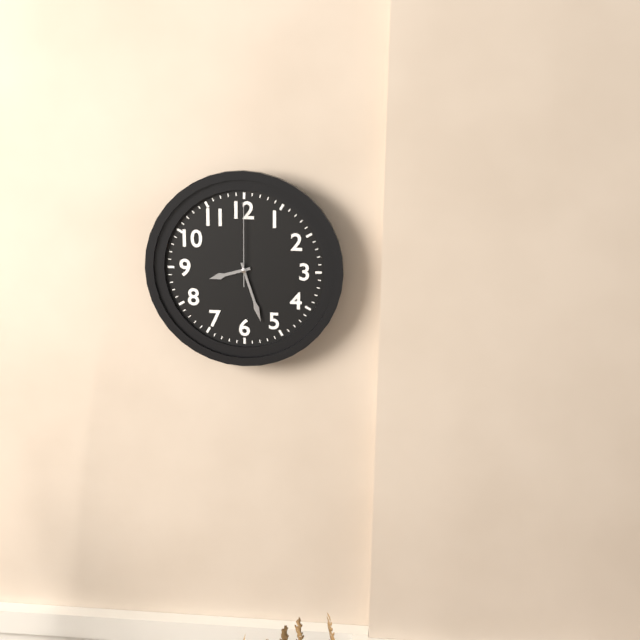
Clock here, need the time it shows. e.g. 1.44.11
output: 8.27.00
